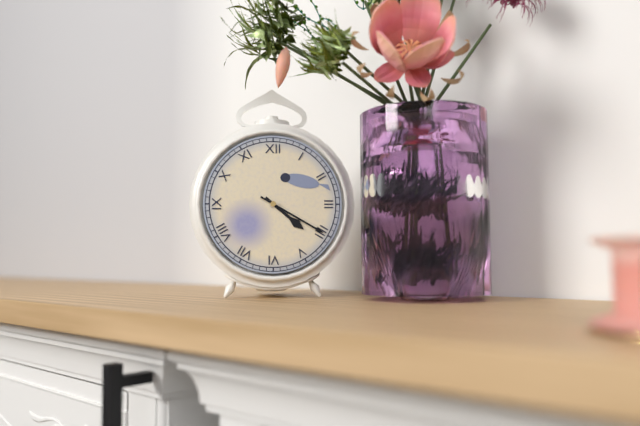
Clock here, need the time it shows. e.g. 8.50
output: 4.20
